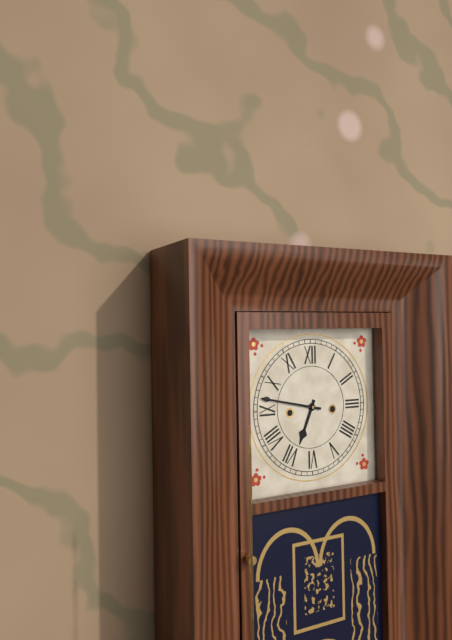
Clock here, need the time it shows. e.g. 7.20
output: 6.47
